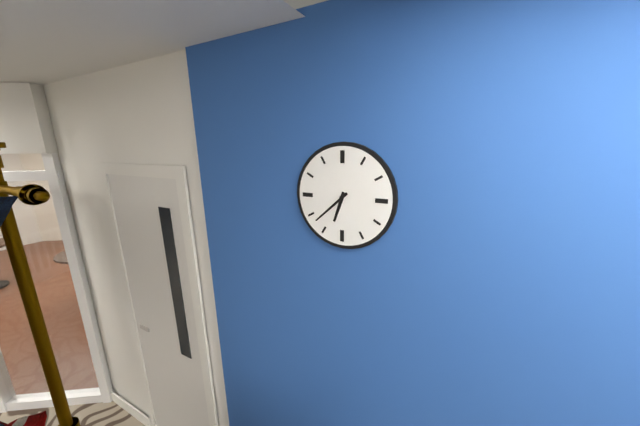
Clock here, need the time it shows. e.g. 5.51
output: 6.38
